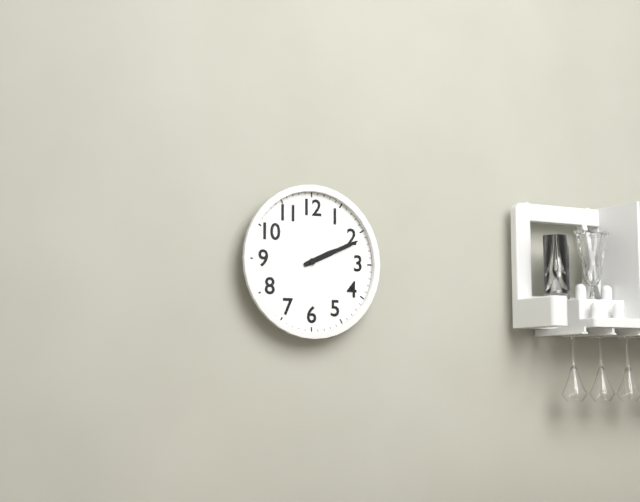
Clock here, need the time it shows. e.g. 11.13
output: 2.11
